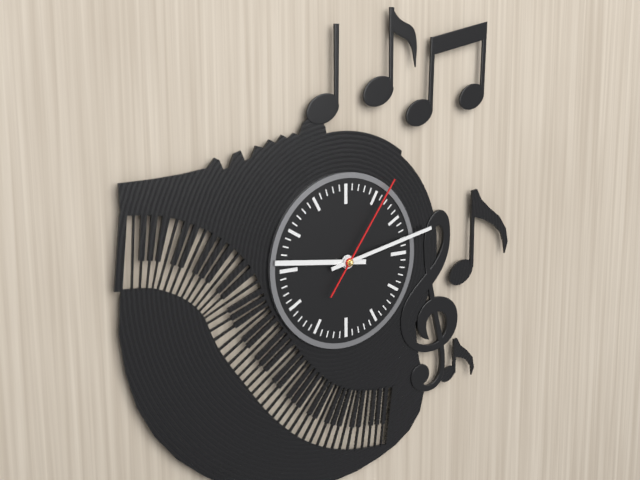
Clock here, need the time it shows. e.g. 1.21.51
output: 9.13.06
